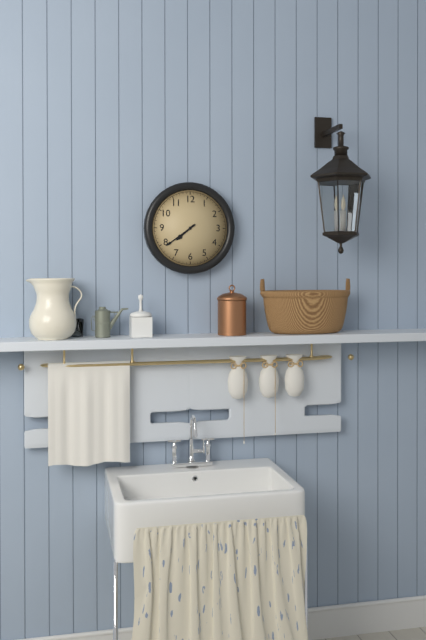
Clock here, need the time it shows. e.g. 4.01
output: 7.39
